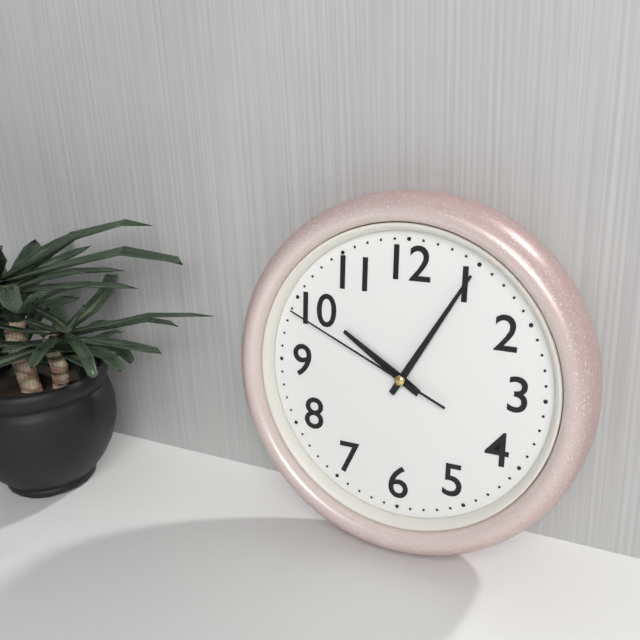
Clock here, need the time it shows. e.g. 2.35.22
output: 10.05.49
